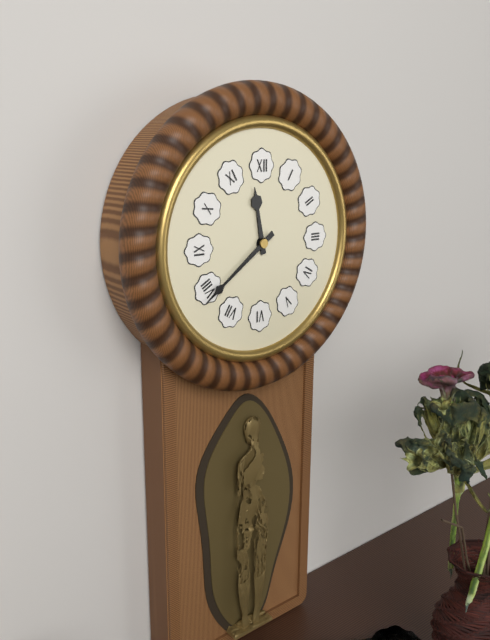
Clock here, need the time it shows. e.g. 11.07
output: 11.39
